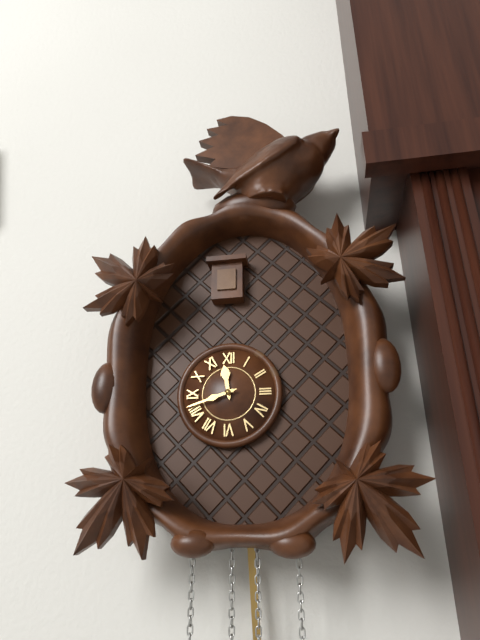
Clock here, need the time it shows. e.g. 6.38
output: 11.42
